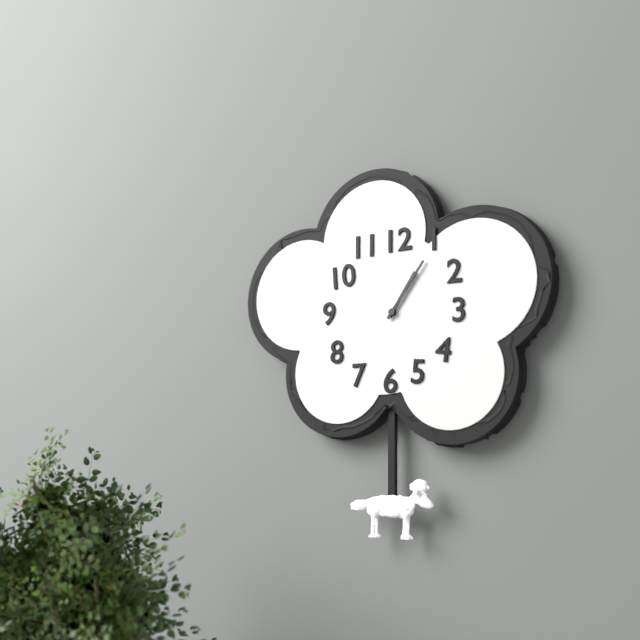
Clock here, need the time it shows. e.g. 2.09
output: 1.06
